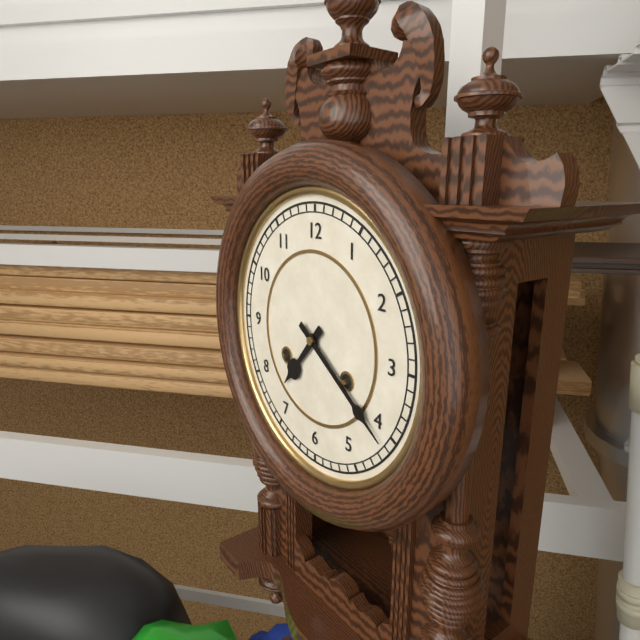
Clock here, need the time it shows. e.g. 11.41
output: 7.21
